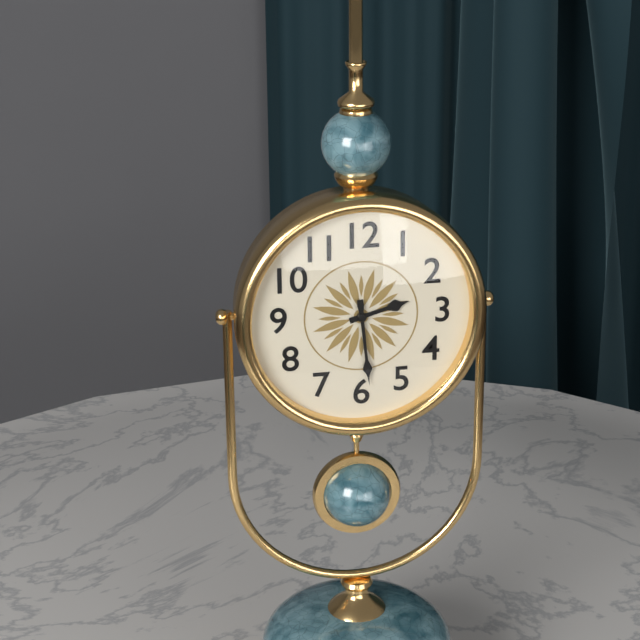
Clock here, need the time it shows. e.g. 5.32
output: 2.29
